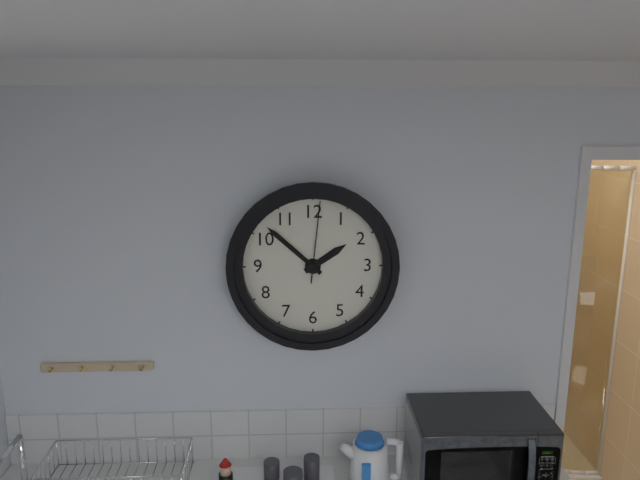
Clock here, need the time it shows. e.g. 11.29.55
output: 1.52.01
